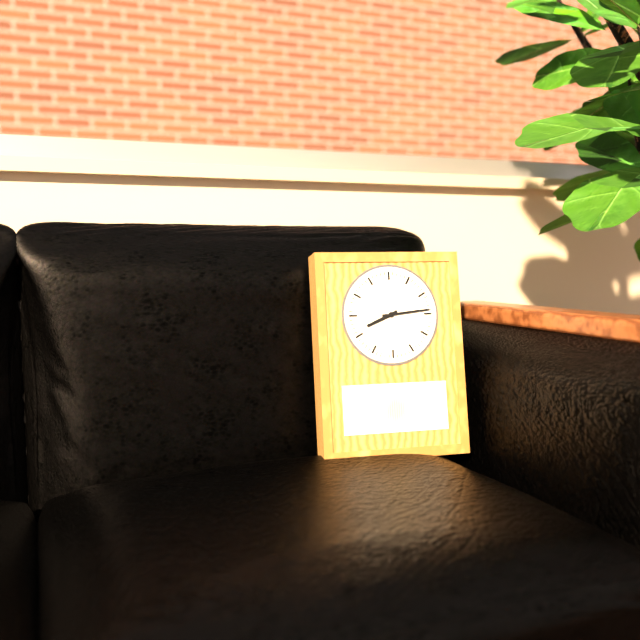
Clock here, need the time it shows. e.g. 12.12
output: 8.14
